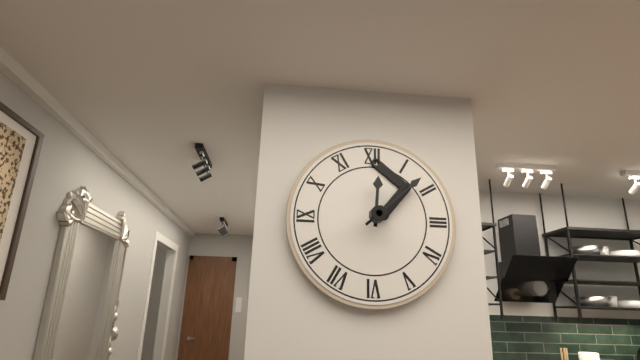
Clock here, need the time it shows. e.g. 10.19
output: 12.08
